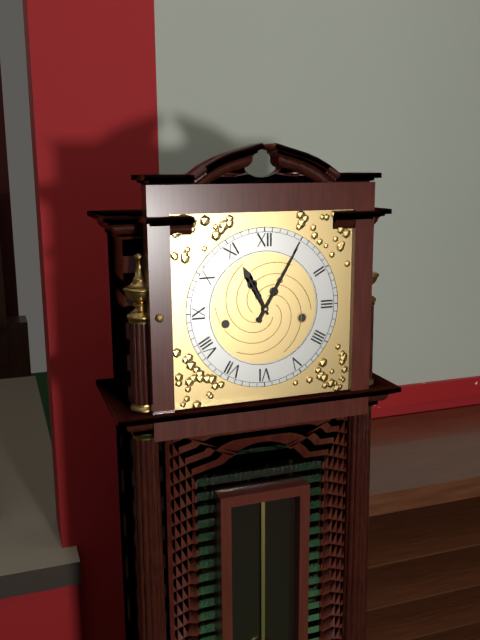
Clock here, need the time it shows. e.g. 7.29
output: 11.05
